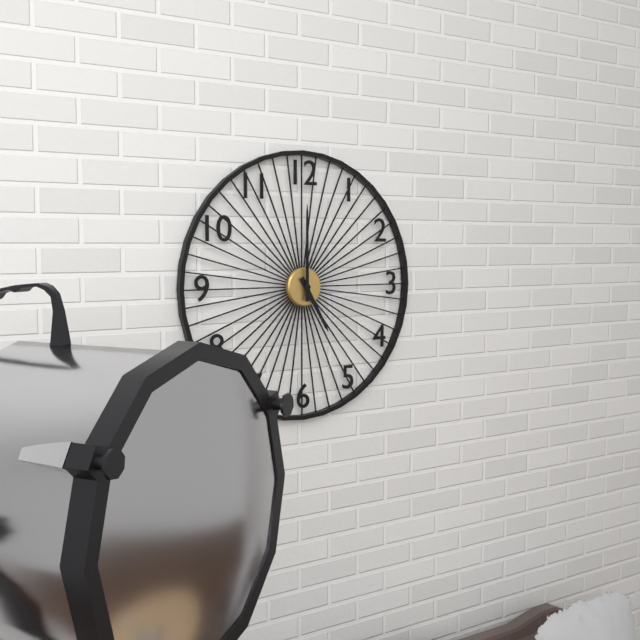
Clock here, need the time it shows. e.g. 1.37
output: 5.00
